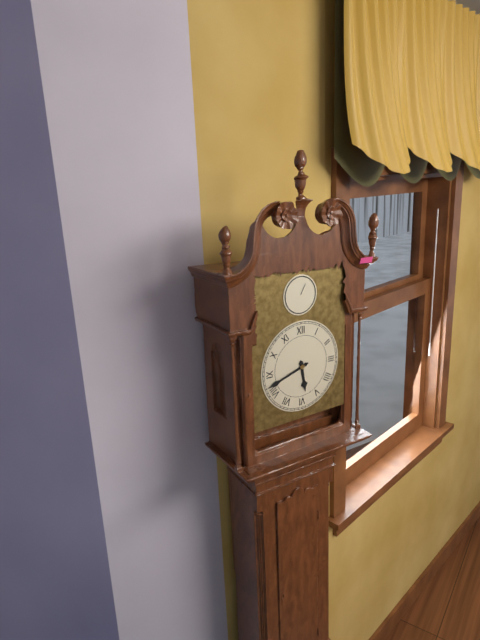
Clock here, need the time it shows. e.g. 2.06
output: 5.42
